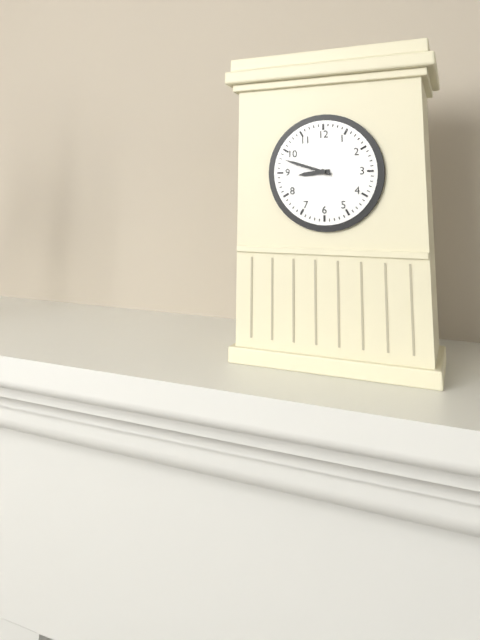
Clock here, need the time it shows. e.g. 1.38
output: 8.48
